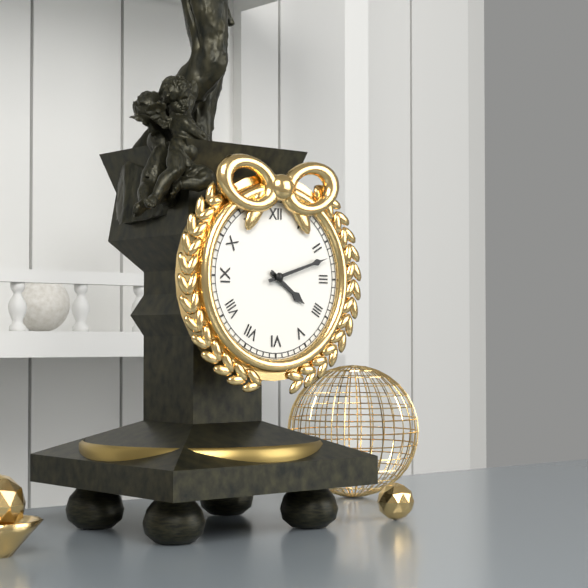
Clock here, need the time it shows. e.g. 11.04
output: 4.12
